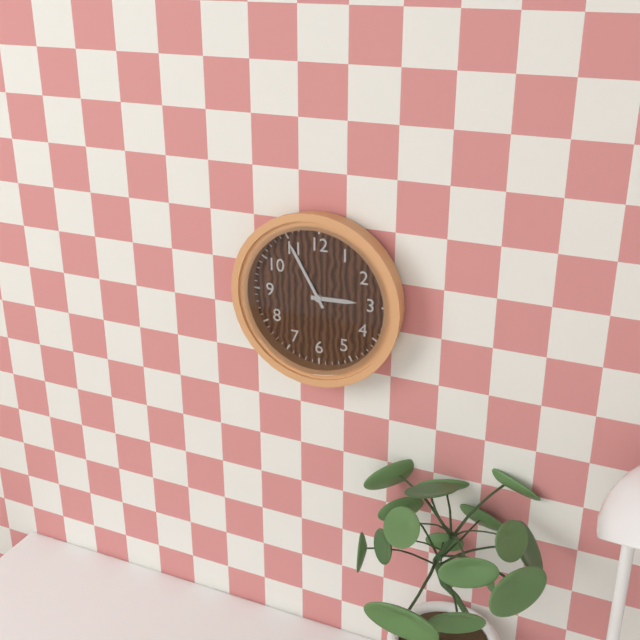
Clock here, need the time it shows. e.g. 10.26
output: 2.55
